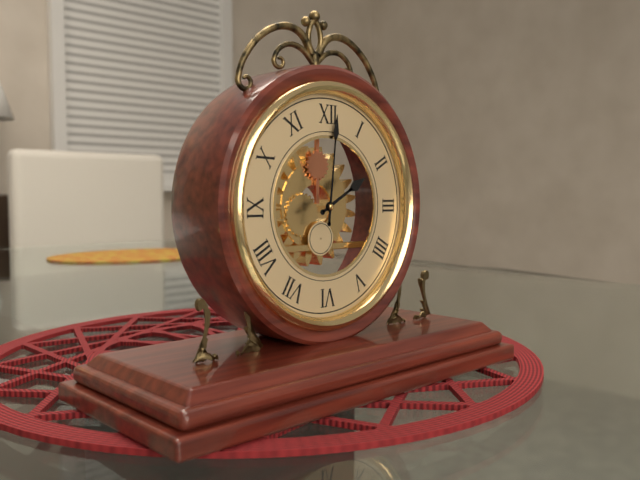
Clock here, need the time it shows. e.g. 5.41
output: 2.01
